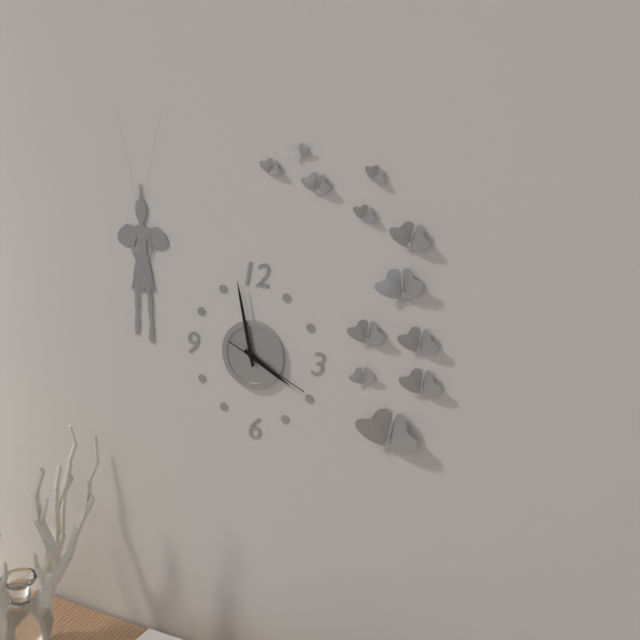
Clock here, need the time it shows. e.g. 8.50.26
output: 3.58.19
